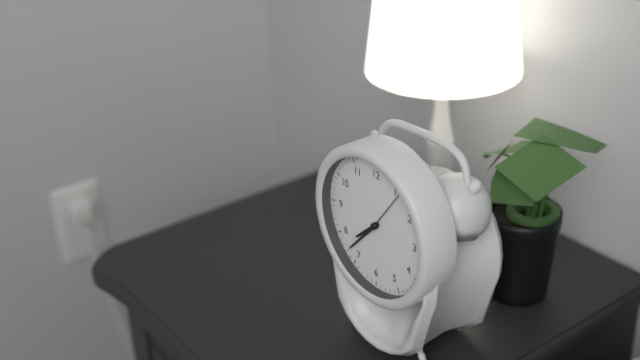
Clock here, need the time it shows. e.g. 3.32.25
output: 7.37.06
